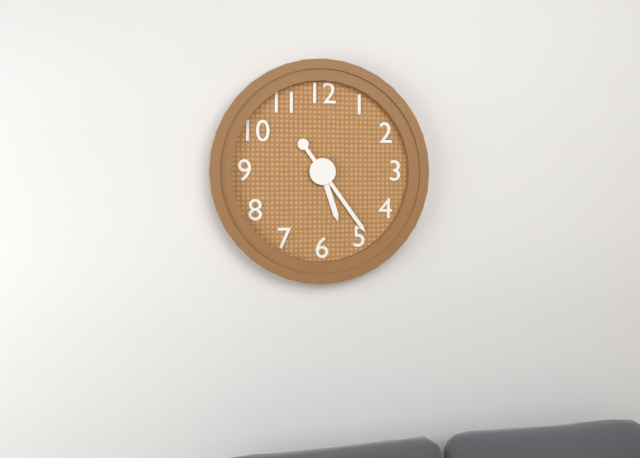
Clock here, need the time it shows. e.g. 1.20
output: 5.24
